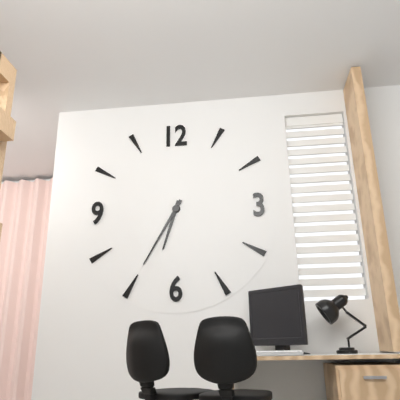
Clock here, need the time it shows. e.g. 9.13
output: 6.35
